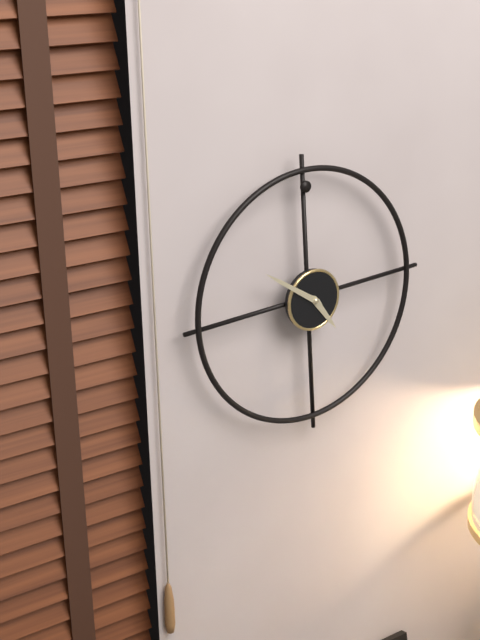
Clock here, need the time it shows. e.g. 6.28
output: 4.51
